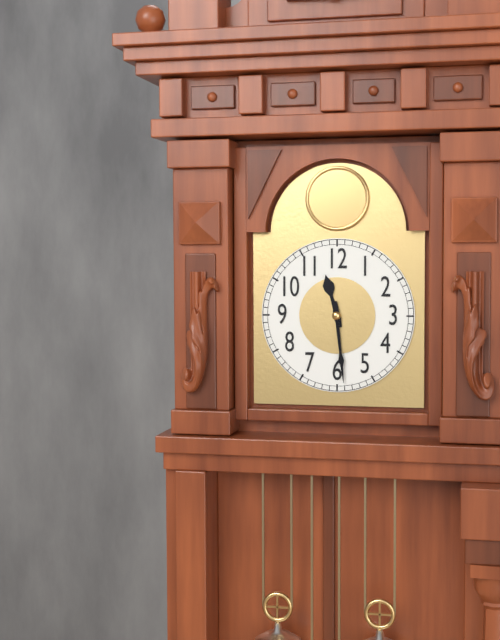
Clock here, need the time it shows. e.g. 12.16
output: 11.29
